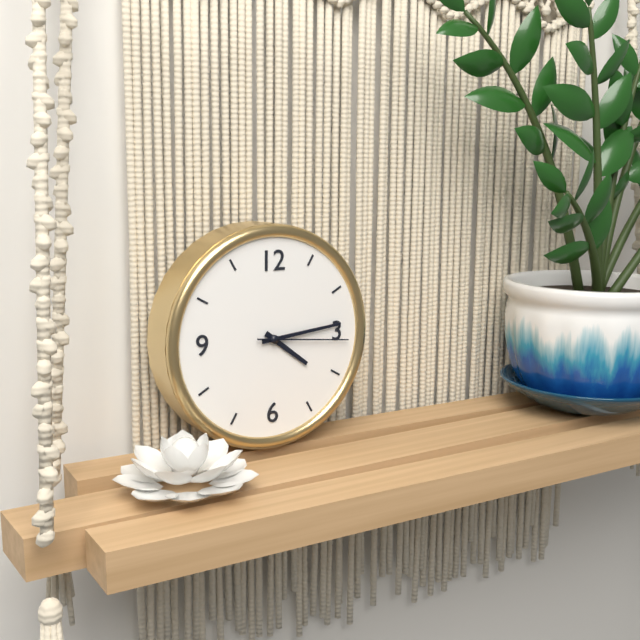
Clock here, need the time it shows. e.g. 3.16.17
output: 4.14.16
